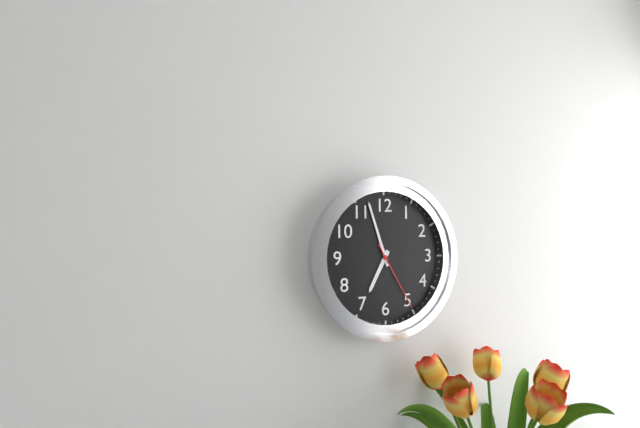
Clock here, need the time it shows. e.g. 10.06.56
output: 6.57.25
